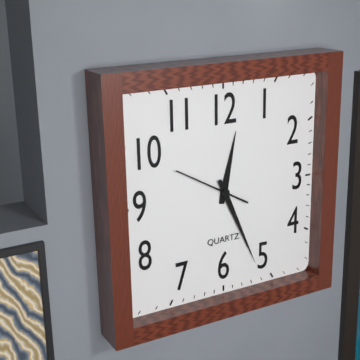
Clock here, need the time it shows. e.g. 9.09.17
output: 12.26.50
